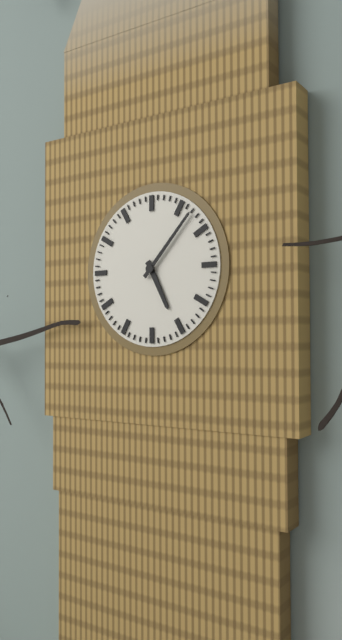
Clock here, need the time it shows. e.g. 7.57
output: 5.07
